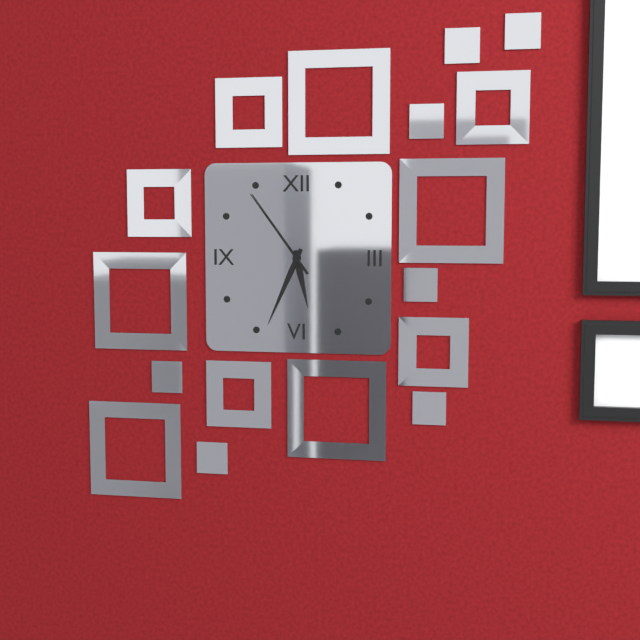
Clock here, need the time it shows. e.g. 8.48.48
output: 5.34.54
